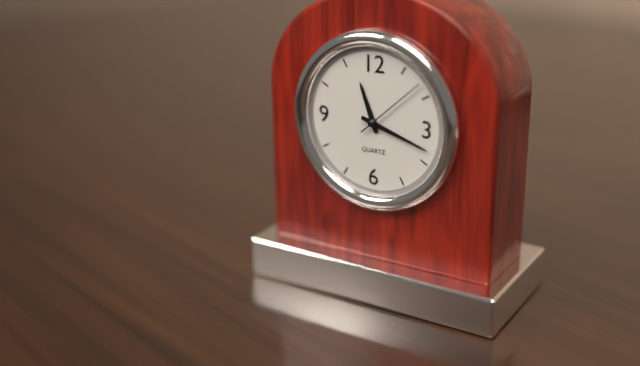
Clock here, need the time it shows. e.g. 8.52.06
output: 11.18.08
